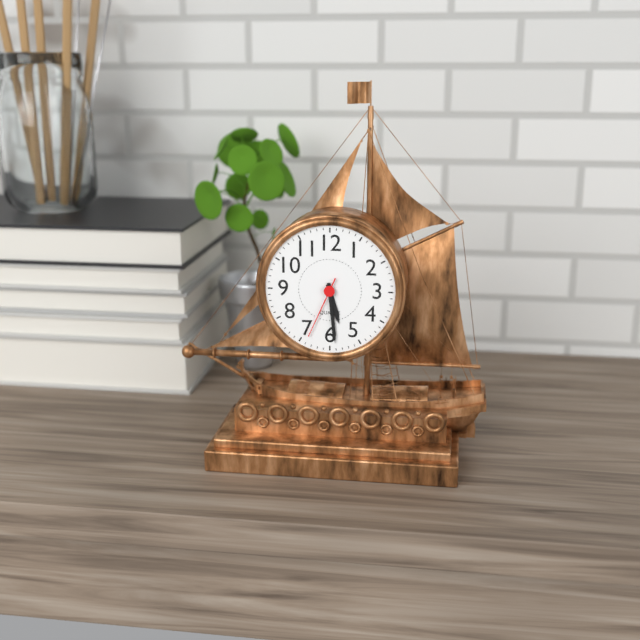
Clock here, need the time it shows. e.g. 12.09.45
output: 5.29.34
